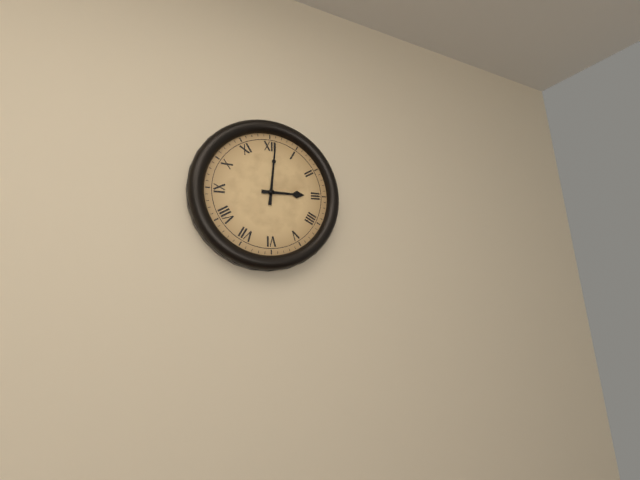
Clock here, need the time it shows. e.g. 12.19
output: 3.01
